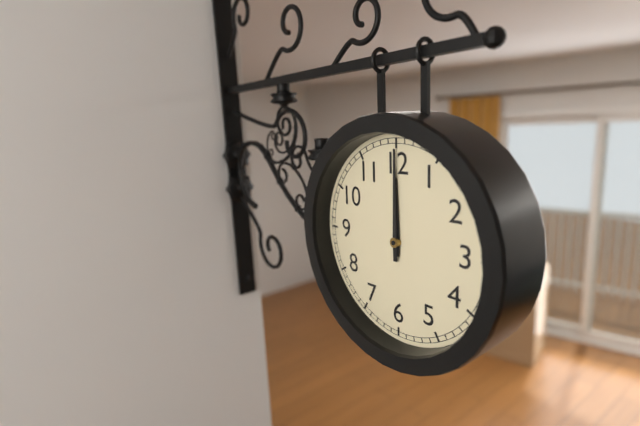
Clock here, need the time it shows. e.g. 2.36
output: 12.00
